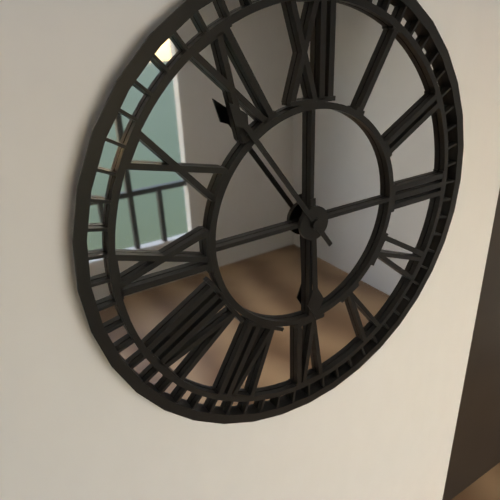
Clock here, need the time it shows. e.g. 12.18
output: 5.54
